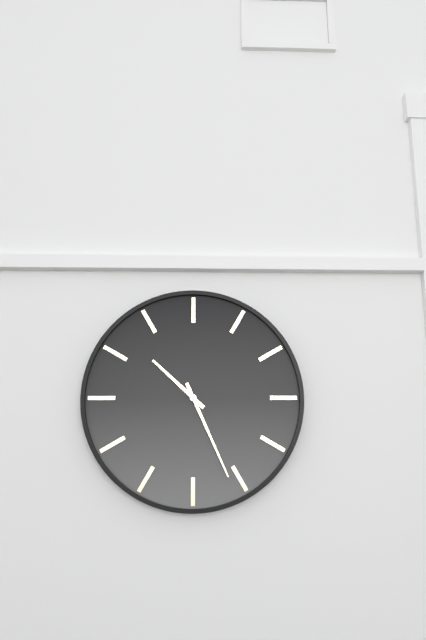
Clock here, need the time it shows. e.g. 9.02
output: 10.26
